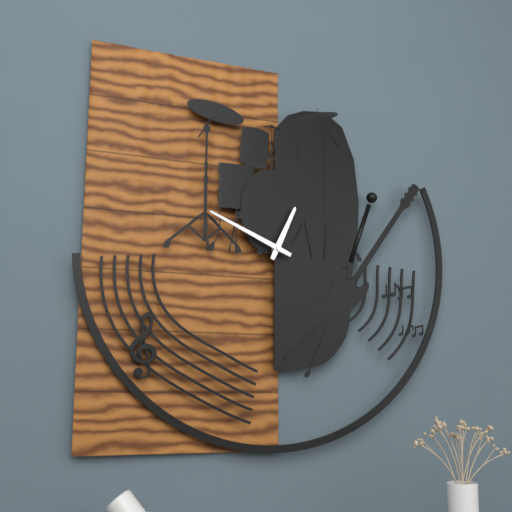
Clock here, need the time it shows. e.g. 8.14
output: 12.49
